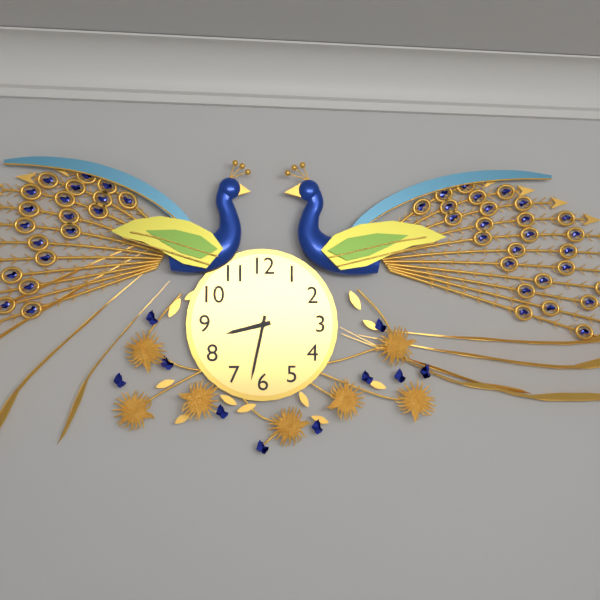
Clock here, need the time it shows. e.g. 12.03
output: 8.32
